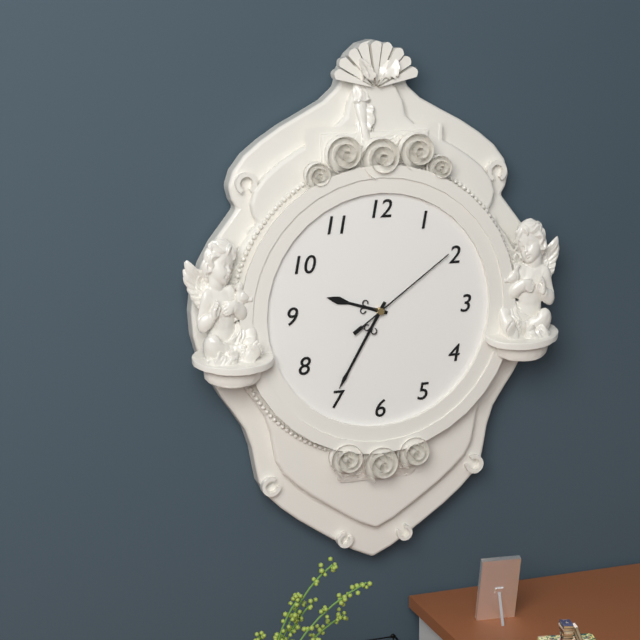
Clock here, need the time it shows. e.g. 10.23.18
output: 9.35.09
